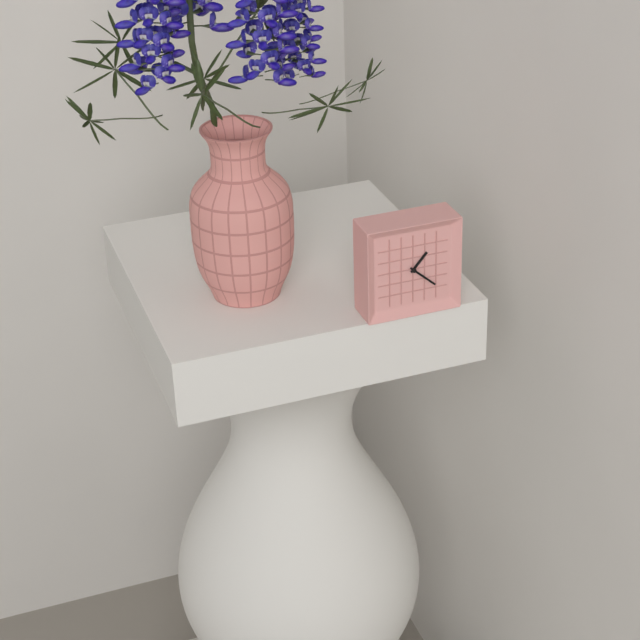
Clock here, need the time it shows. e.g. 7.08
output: 1.22
